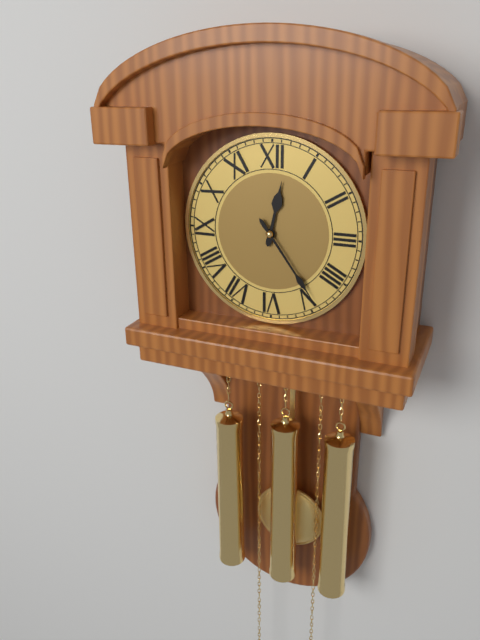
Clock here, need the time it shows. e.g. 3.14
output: 12.24
